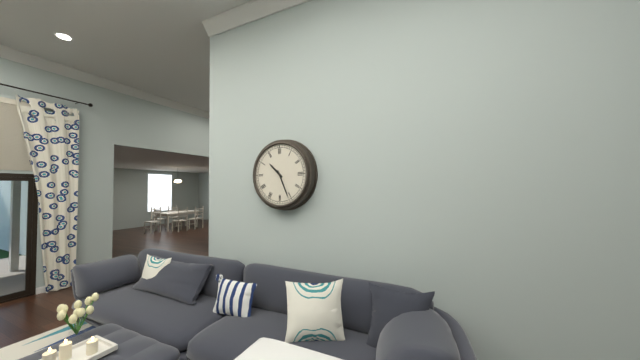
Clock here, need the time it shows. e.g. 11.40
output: 10.26
